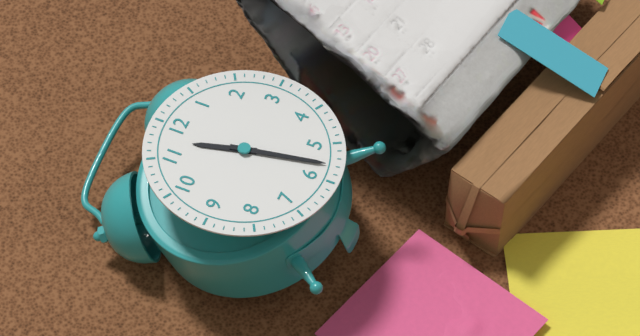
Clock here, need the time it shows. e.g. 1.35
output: 11.28
